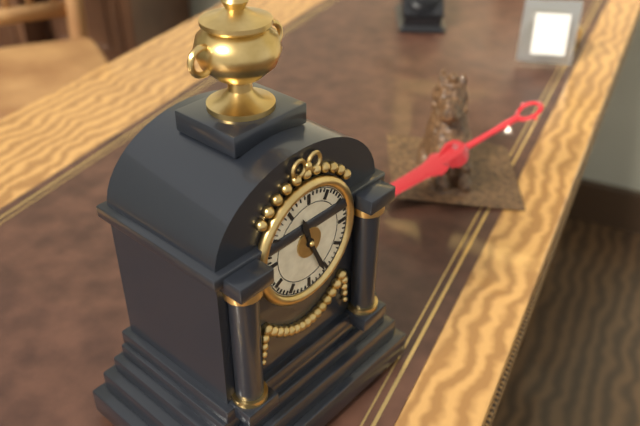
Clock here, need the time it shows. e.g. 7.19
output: 11.26
